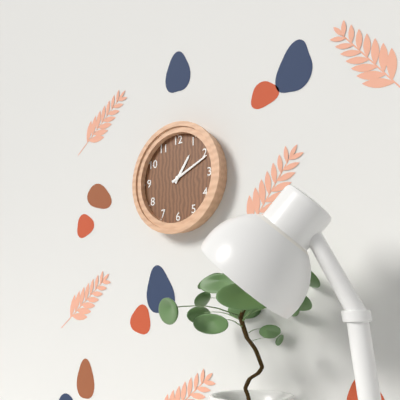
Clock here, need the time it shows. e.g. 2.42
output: 1.11
